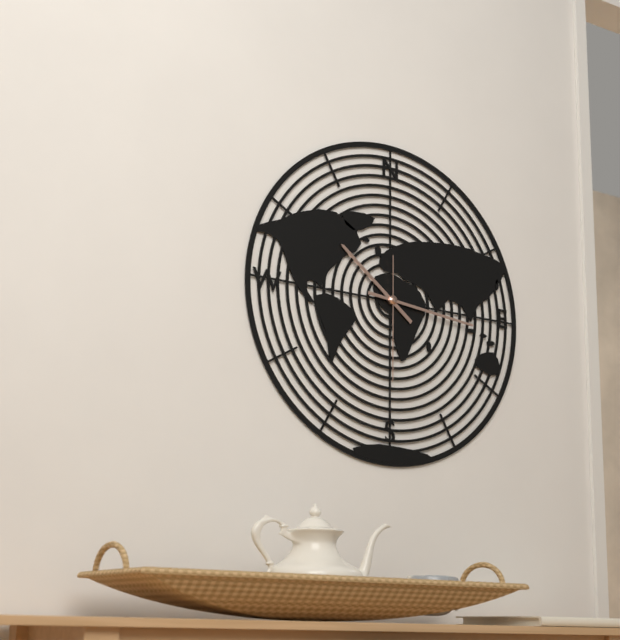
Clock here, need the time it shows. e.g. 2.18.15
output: 10.16.30
